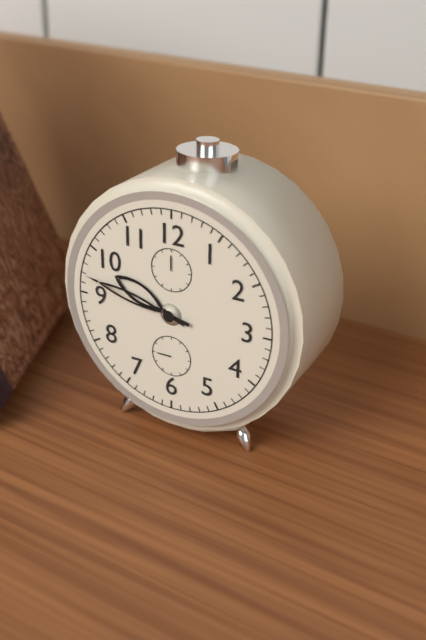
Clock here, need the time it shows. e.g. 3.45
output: 9.47
